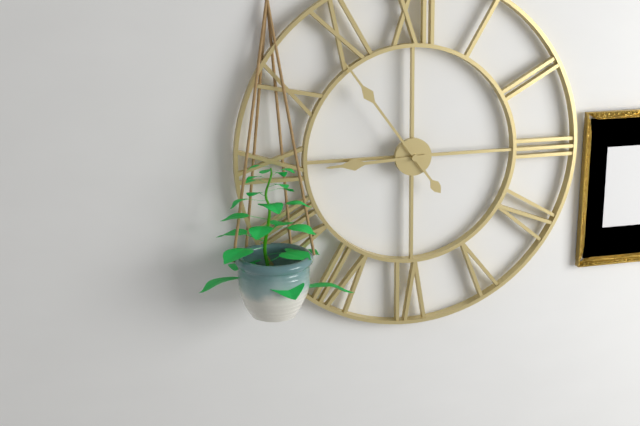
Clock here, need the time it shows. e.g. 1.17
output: 8.54
